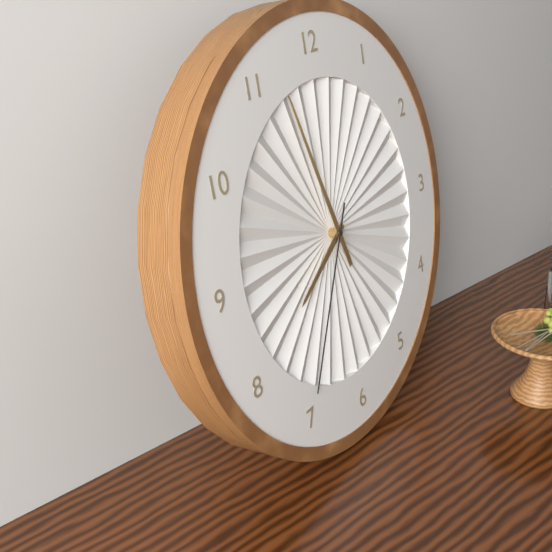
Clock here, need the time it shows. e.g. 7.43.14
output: 7.57.35
